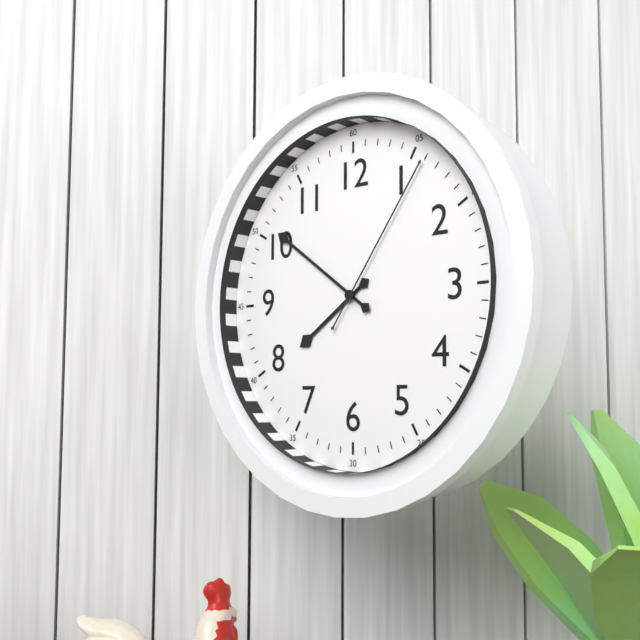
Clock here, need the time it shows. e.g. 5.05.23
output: 7.51.06
